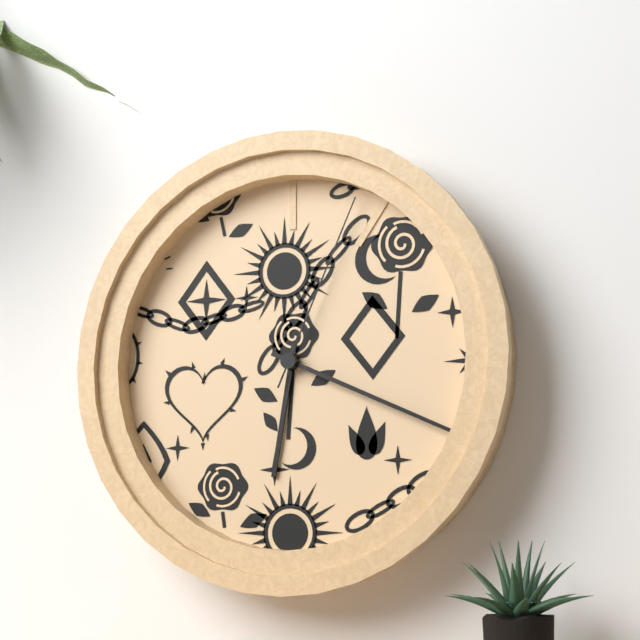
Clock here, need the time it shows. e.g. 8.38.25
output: 6.19.04
